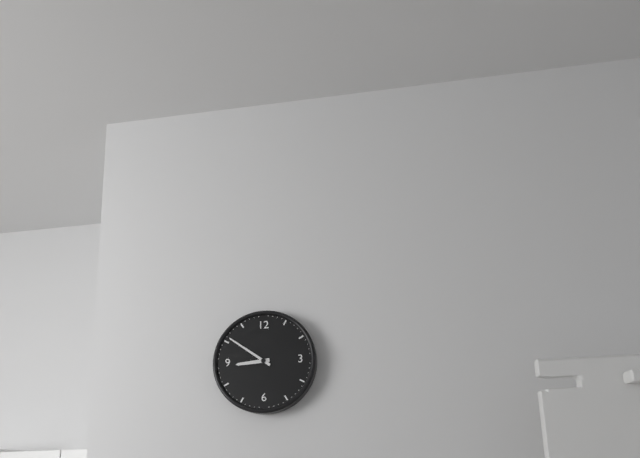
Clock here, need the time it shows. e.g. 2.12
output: 8.51
